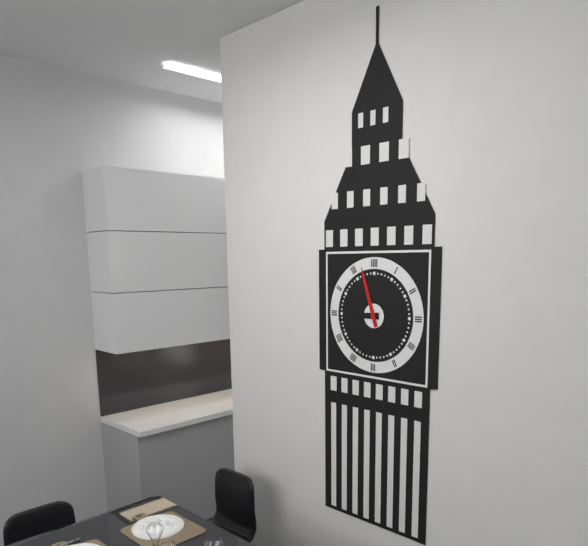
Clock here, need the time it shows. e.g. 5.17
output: 8.57
